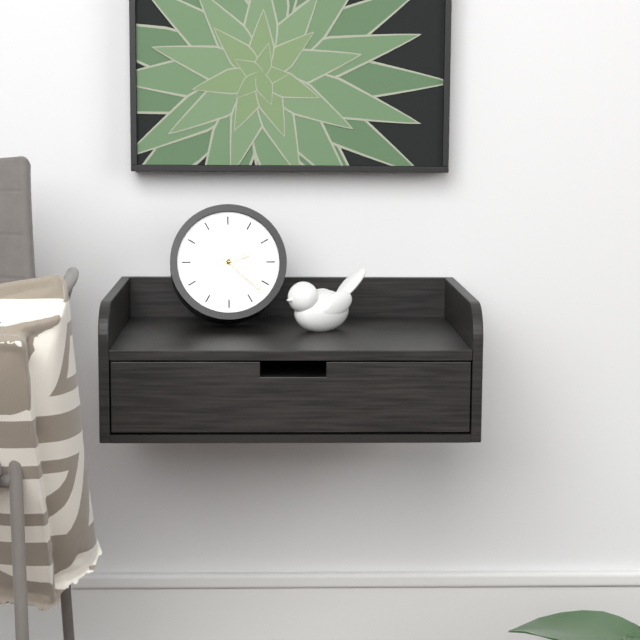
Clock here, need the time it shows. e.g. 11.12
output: 2.22
